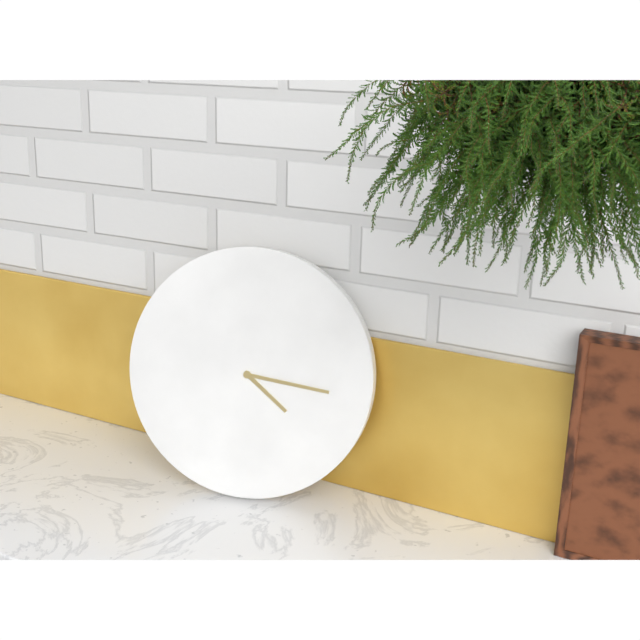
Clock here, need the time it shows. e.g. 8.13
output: 4.16
